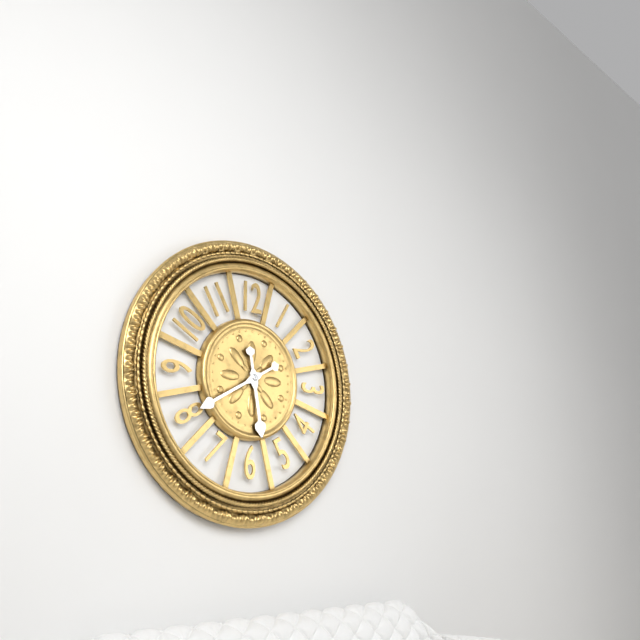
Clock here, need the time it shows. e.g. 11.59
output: 5.40
